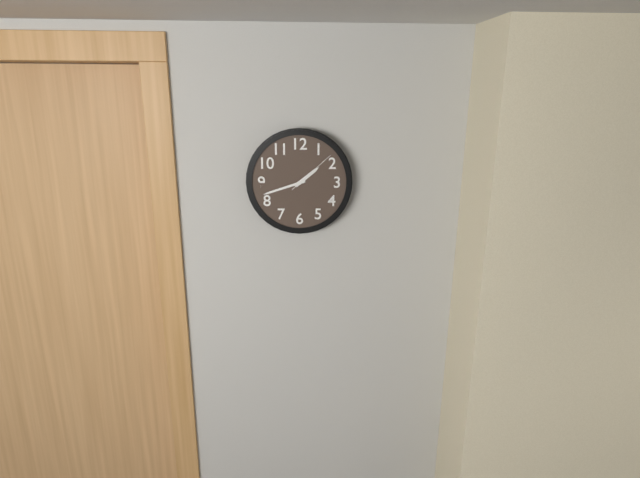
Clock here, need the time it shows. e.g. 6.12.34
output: 1.42.08
